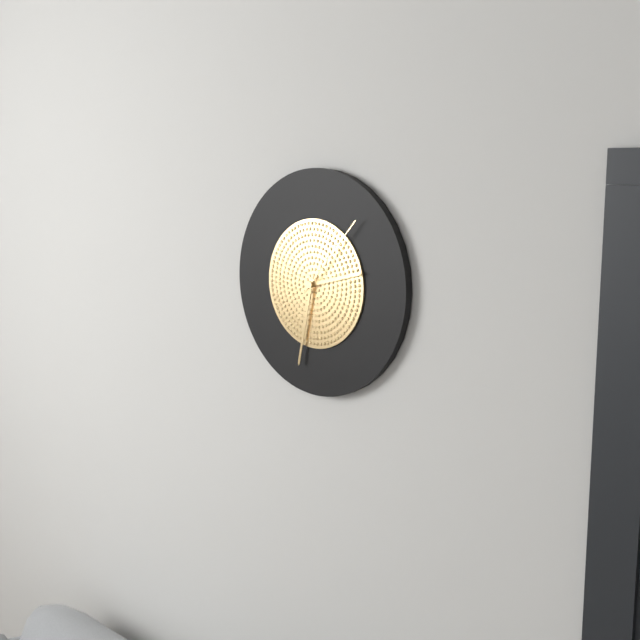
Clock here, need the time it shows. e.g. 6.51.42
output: 2.32.07
